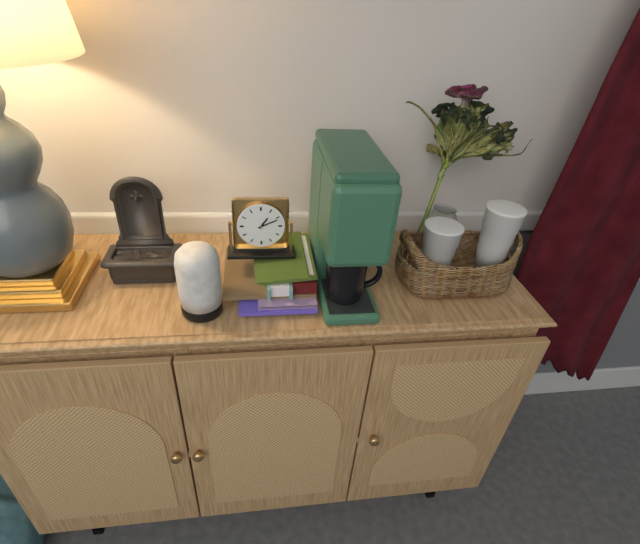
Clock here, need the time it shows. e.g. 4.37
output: 1.11
